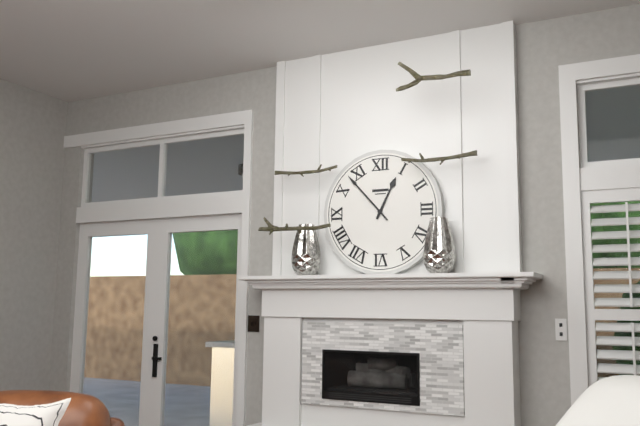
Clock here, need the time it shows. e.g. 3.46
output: 12.53
